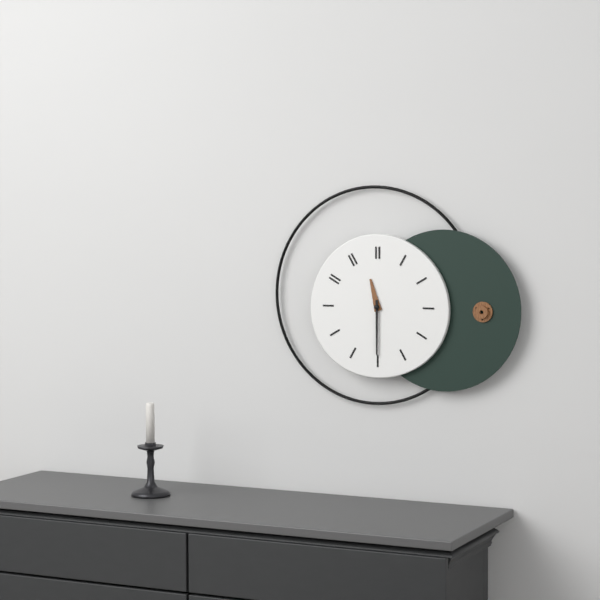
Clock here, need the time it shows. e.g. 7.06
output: 11.30
